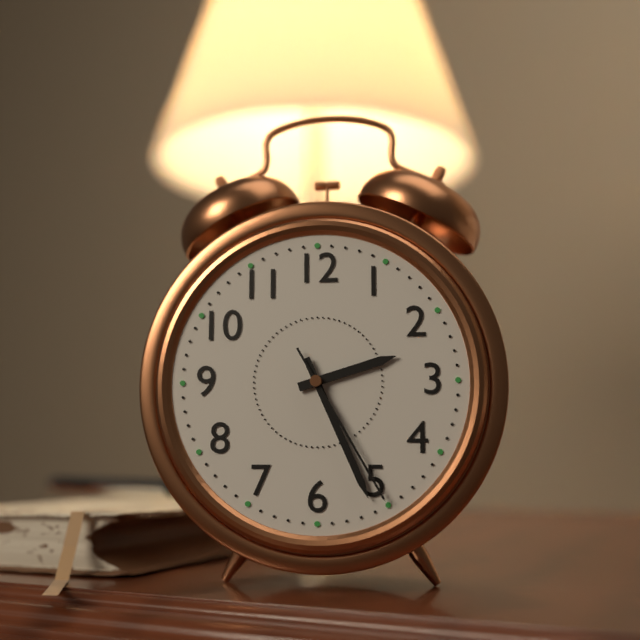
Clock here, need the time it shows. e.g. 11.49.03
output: 2.26.25
